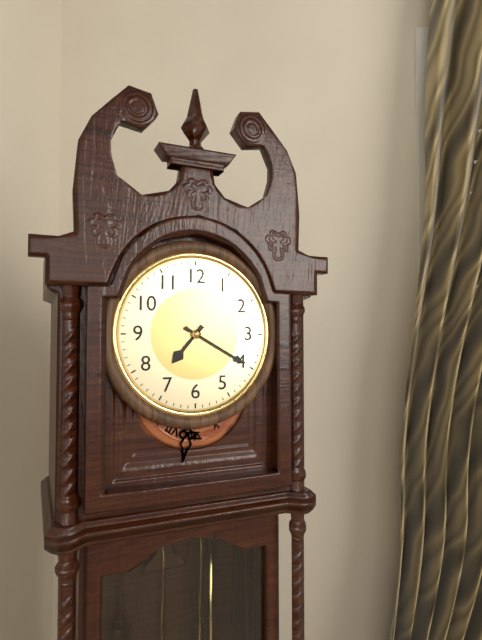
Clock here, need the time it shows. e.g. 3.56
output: 7.20
